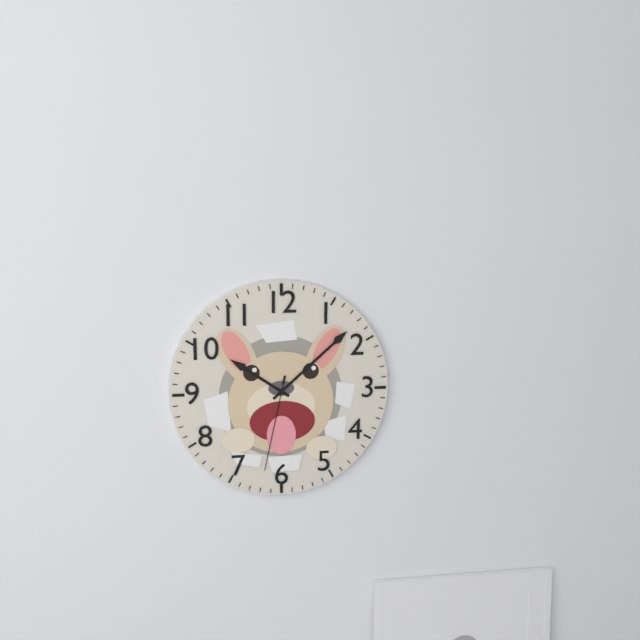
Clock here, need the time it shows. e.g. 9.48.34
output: 10.08.32
